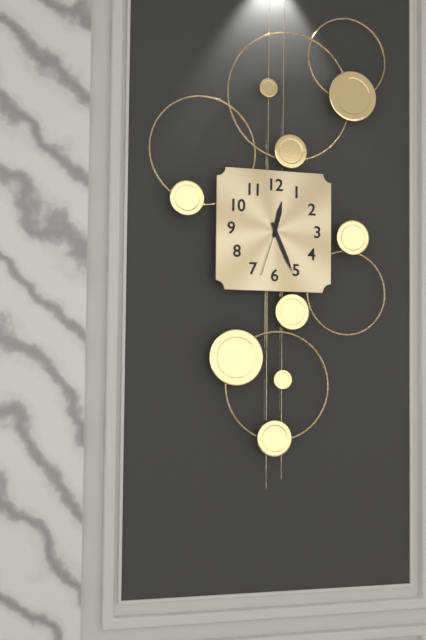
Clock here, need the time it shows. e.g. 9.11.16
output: 12.26.33
